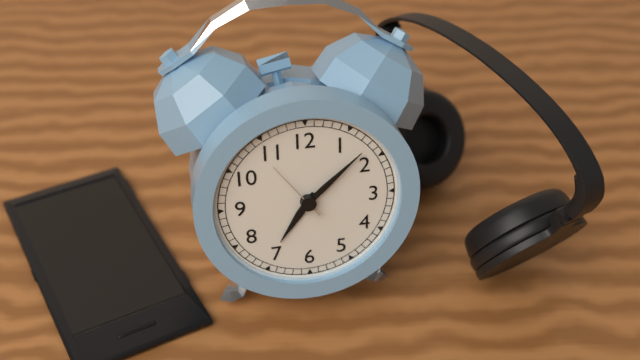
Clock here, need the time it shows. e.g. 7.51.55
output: 7.08.54
